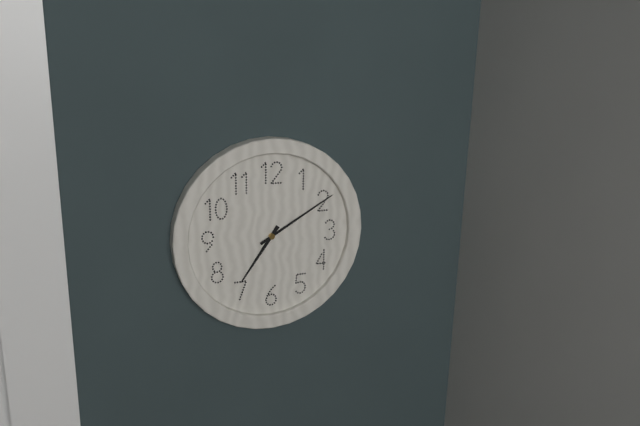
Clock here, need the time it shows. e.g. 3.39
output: 7.10
